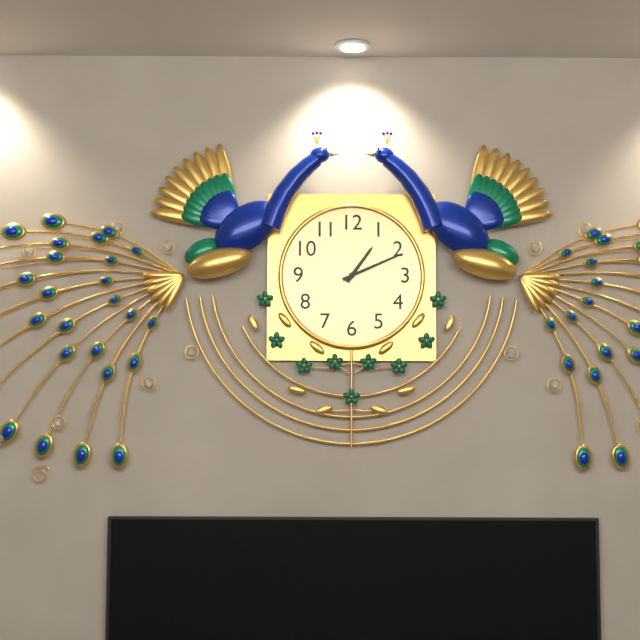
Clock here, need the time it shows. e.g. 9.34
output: 1.11
